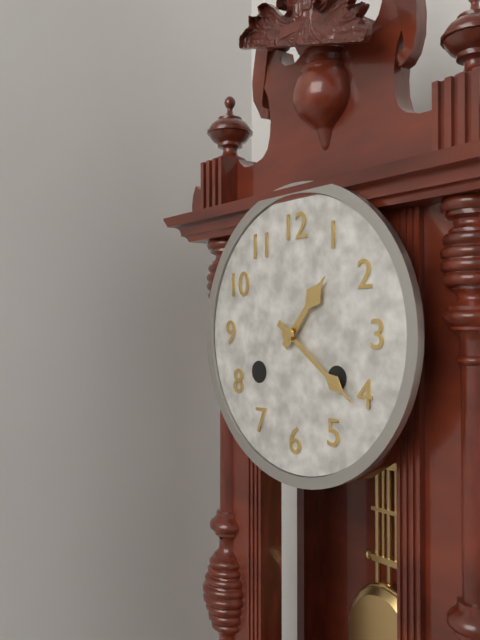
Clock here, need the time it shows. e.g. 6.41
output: 1.21
